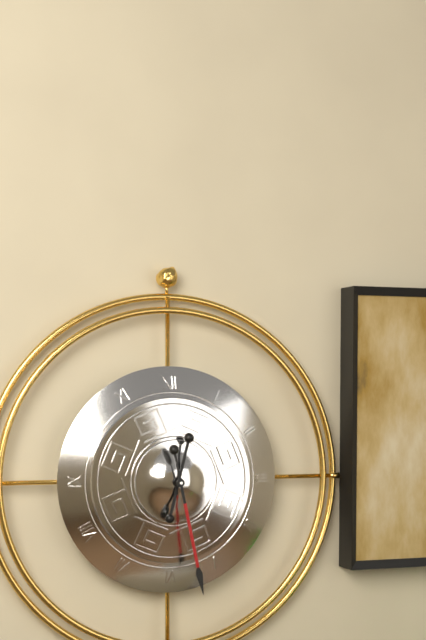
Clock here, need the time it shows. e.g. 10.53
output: 12.28
